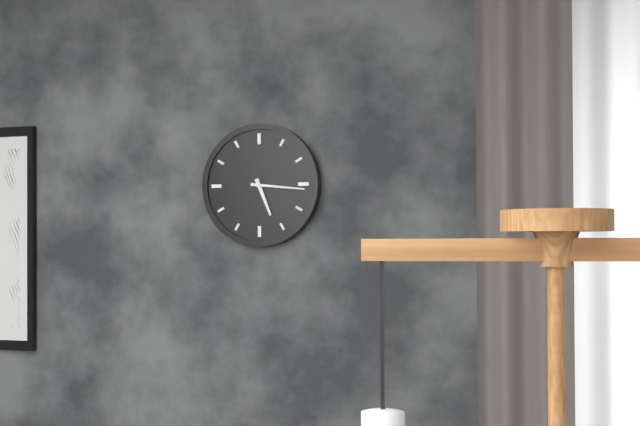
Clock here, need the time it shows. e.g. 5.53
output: 5.16
